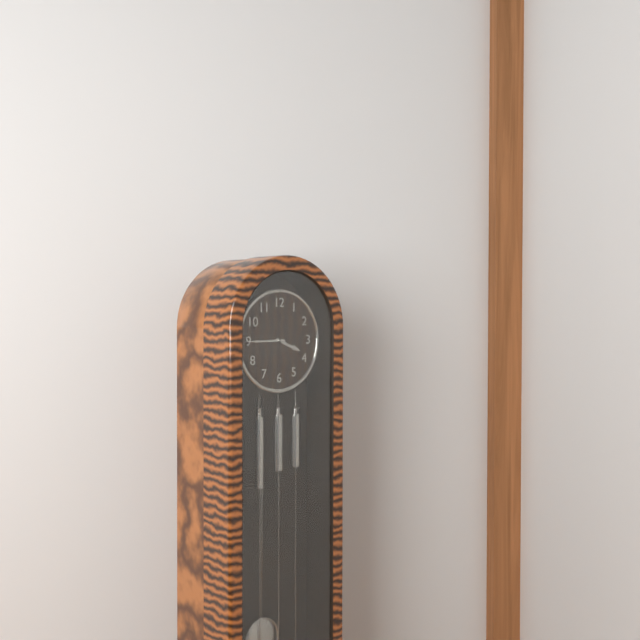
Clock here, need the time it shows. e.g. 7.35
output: 3.45
